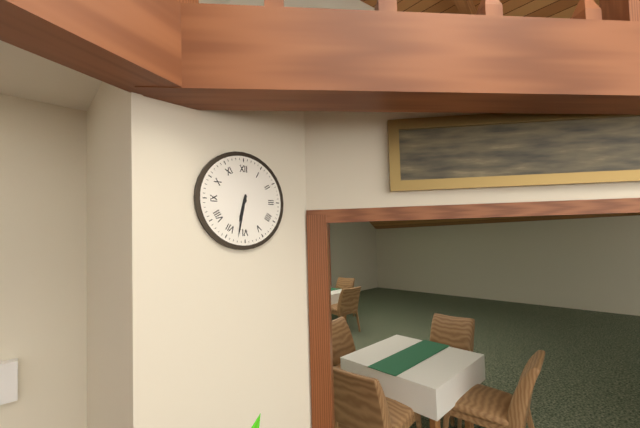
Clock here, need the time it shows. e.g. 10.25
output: 6.32
